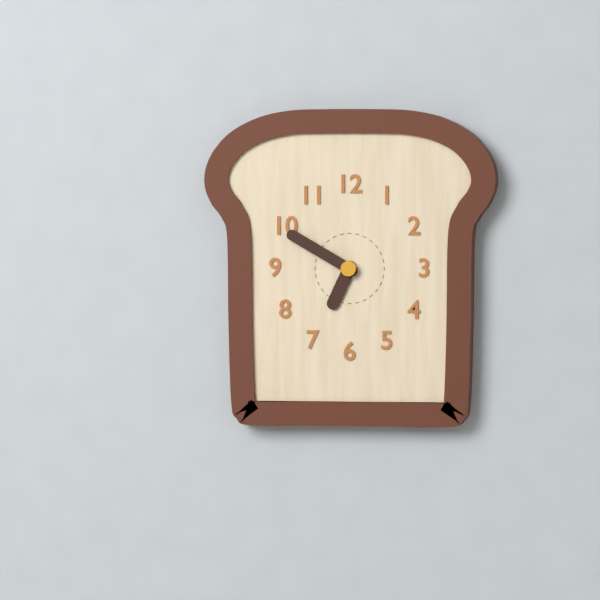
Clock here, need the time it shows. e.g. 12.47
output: 6.50
